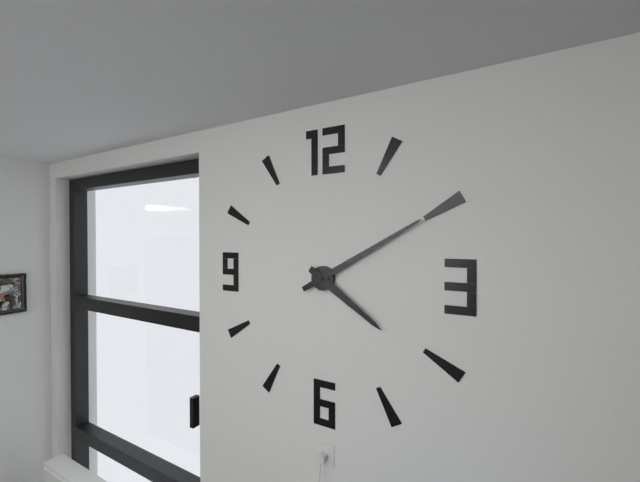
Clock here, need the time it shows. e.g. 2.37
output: 4.10
